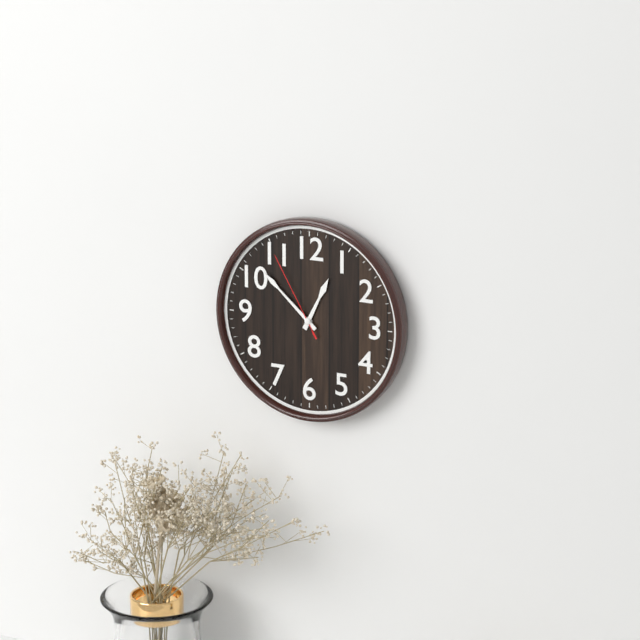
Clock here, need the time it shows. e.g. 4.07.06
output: 12.52.55
